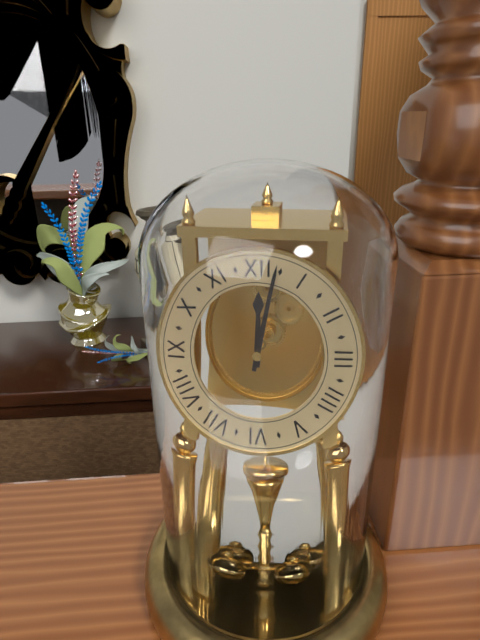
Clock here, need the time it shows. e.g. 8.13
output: 12.02
